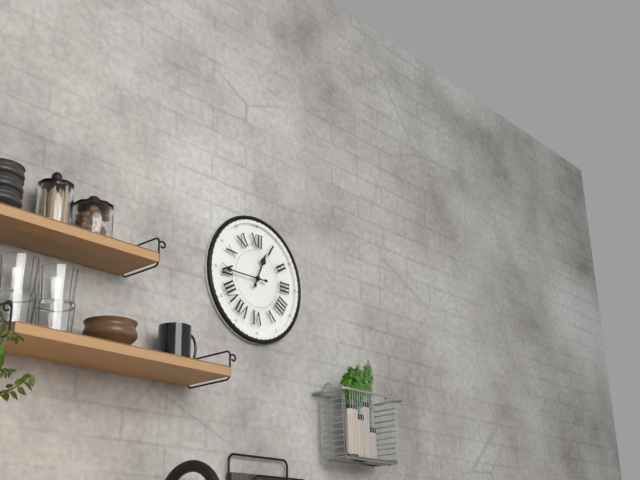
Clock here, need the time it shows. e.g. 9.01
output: 12.45
